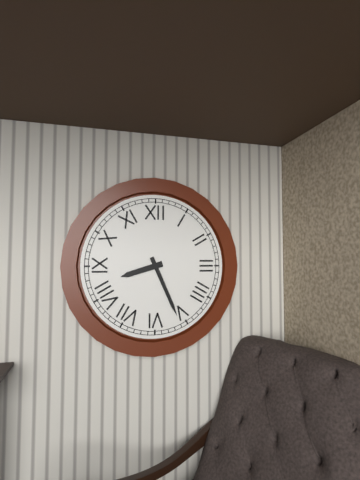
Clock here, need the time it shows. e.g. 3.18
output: 8.26
